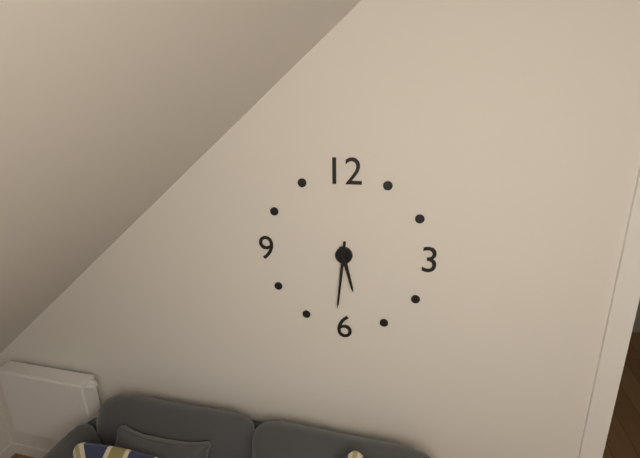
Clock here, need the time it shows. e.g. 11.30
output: 5.31
